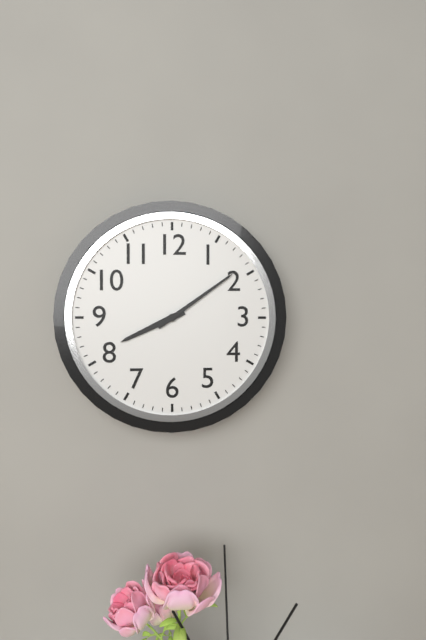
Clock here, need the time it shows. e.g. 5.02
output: 8.09
